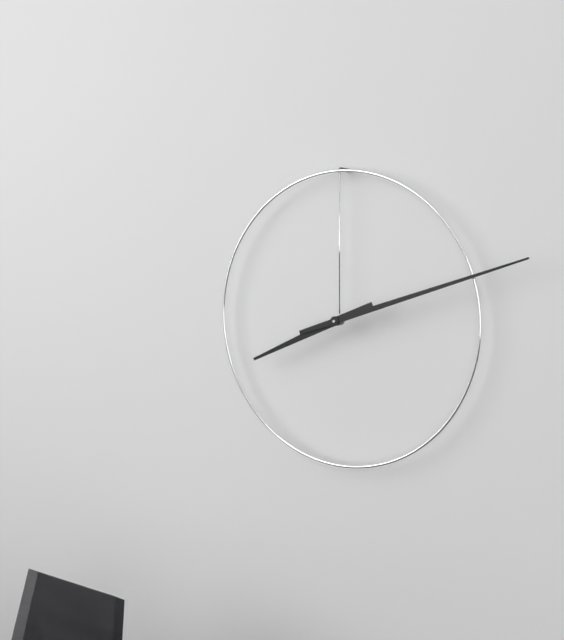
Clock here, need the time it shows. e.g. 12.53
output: 8.12
